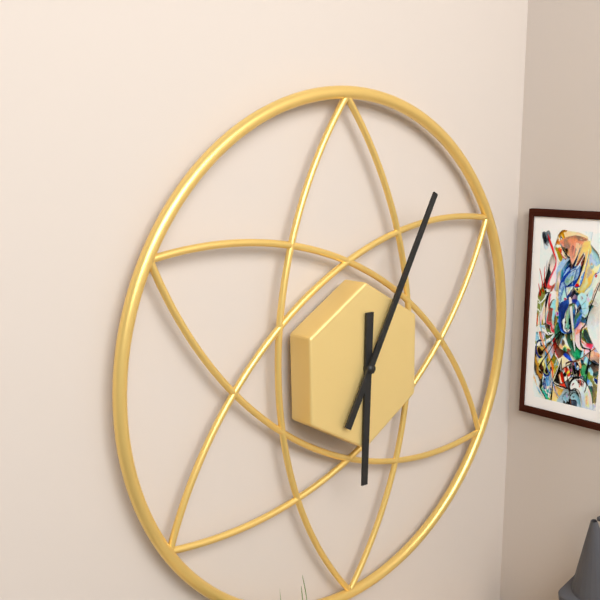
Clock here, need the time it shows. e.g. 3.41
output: 6.05
